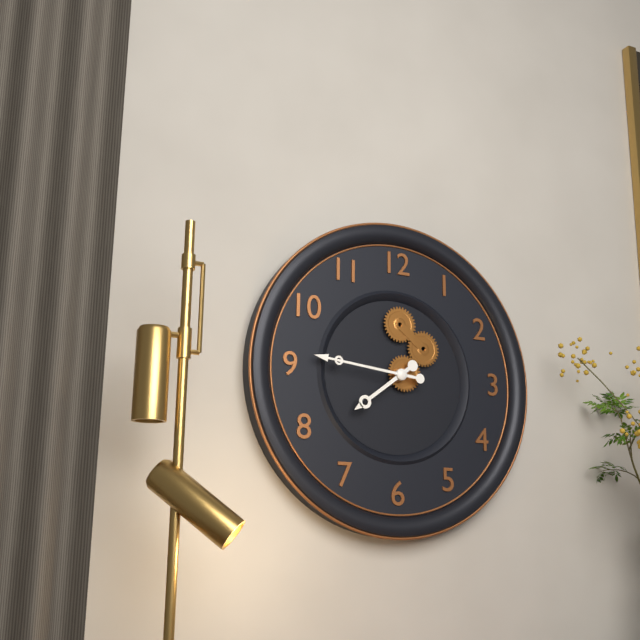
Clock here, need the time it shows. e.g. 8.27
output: 7.46
